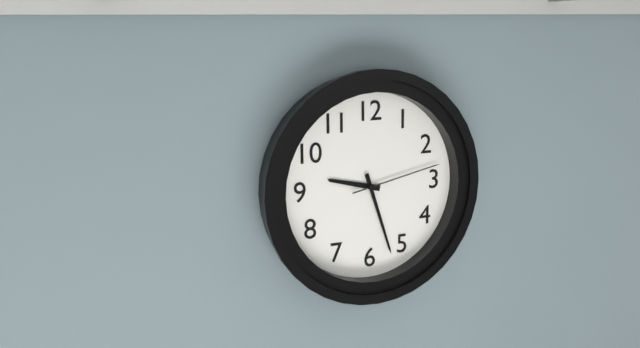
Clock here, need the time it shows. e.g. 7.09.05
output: 9.27.13
